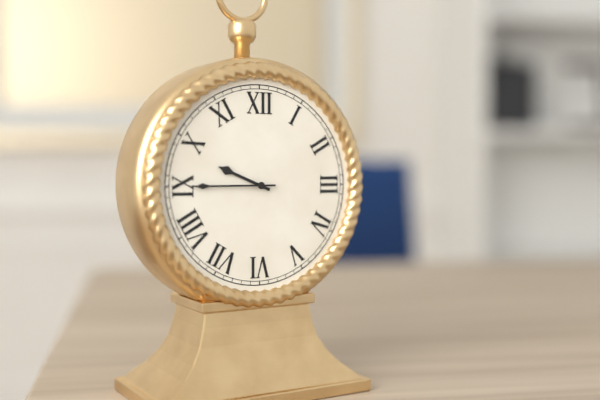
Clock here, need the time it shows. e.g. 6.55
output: 9.45
